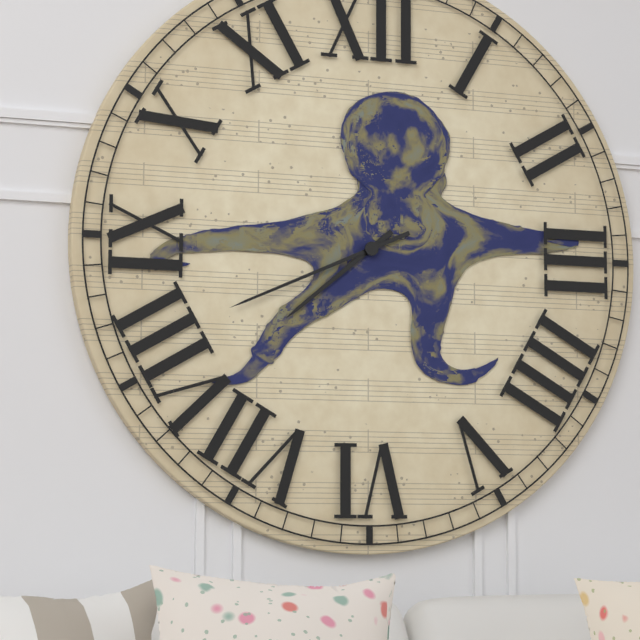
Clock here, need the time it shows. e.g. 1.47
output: 7.41
